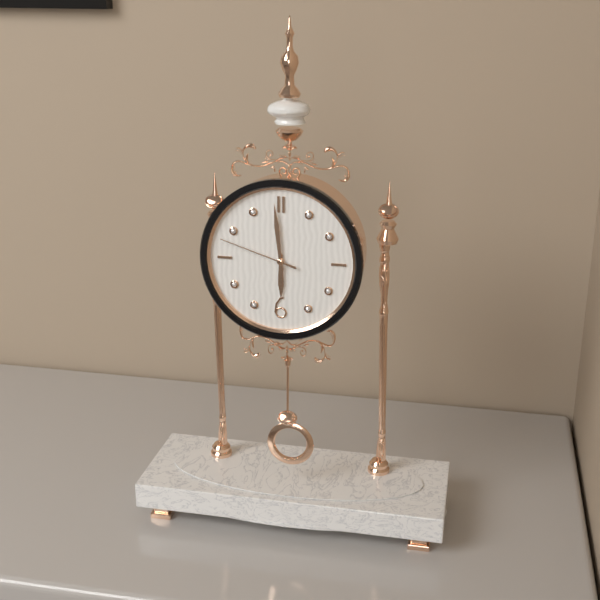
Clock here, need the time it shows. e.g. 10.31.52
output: 5.59.48
